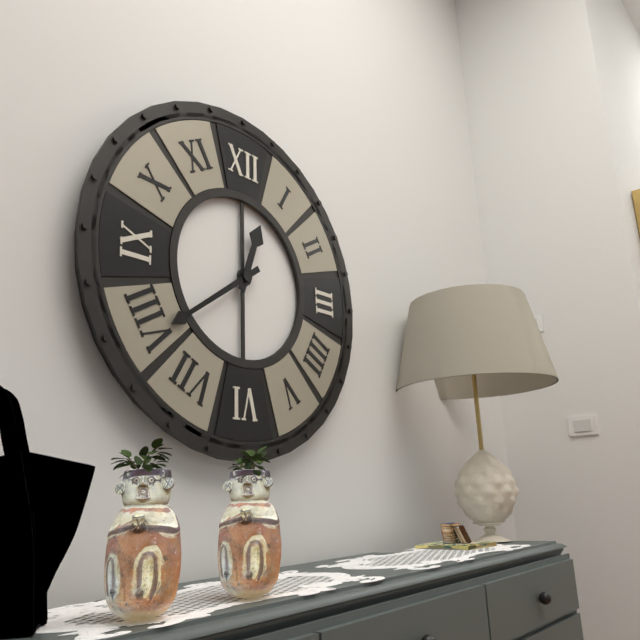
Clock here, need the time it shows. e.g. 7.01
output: 12.39
